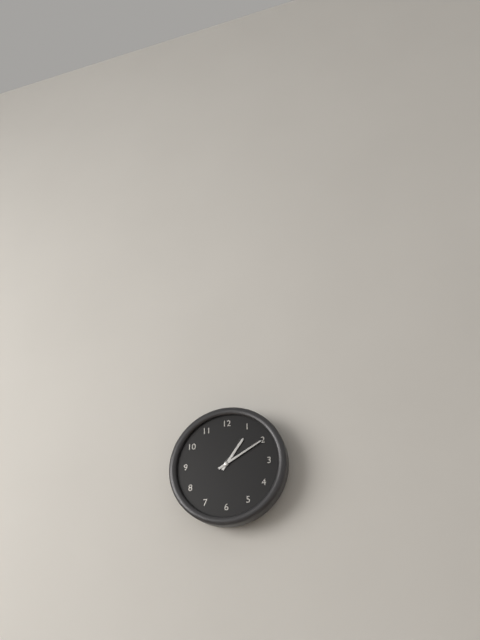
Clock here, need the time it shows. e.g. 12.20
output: 1.10
